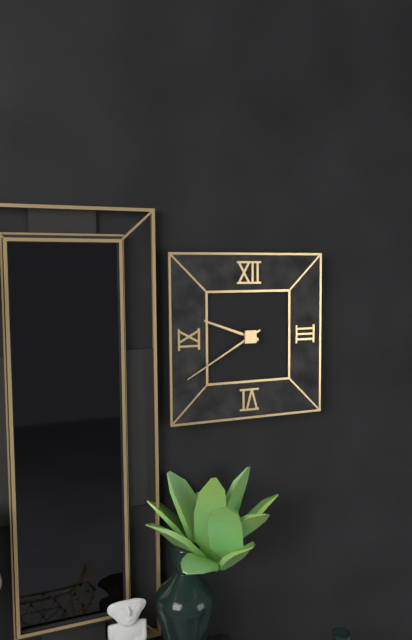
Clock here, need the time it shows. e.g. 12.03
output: 9.40
